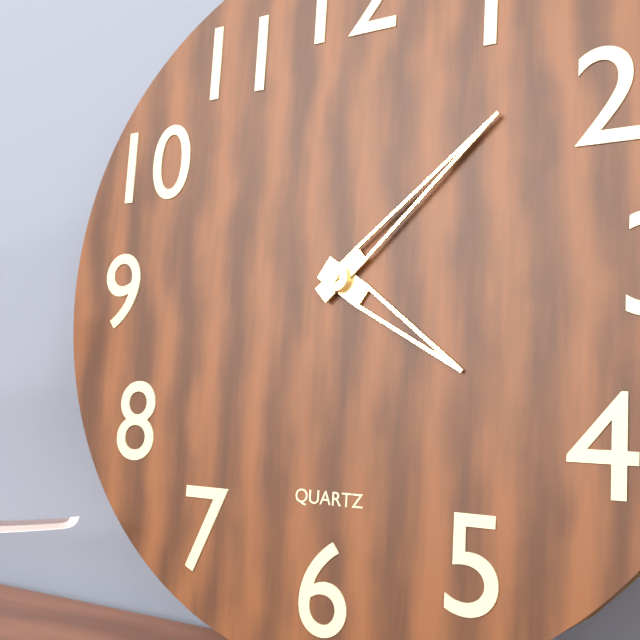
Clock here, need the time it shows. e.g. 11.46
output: 4.08
